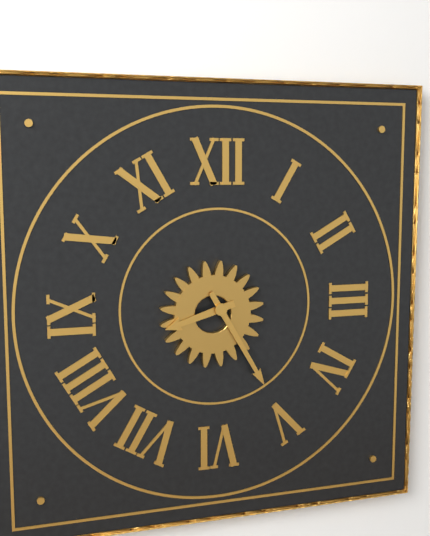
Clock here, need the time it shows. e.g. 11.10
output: 8.25
